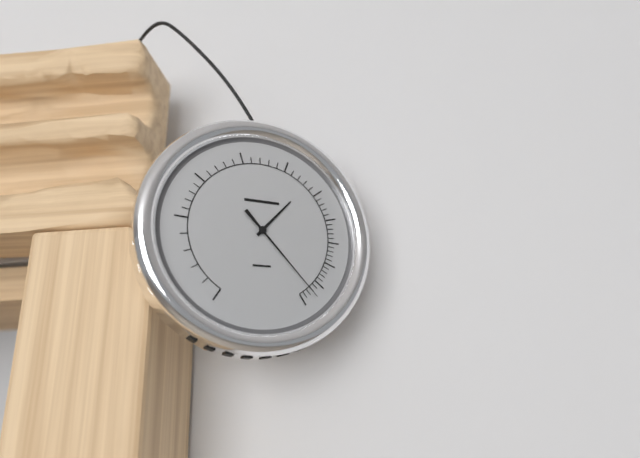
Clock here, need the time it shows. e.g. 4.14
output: 1.23
